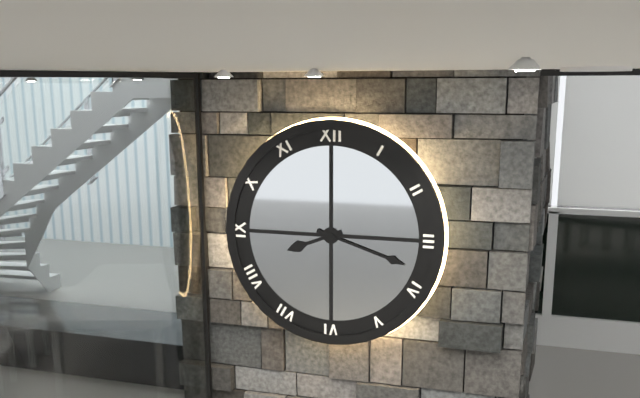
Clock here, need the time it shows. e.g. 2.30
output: 8.18
